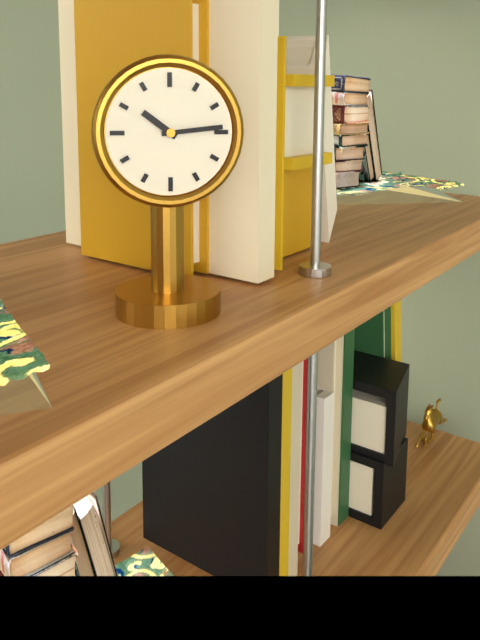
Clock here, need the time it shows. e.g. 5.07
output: 10.14
